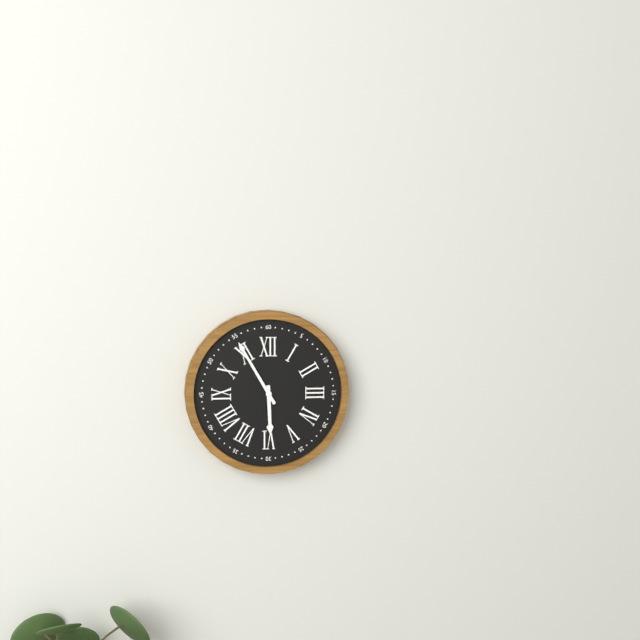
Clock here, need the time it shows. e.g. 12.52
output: 5.55
